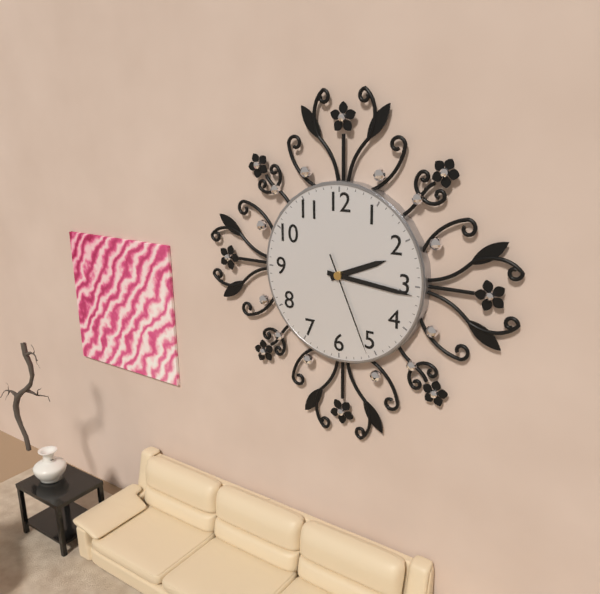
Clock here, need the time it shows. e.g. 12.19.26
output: 2.16.26
